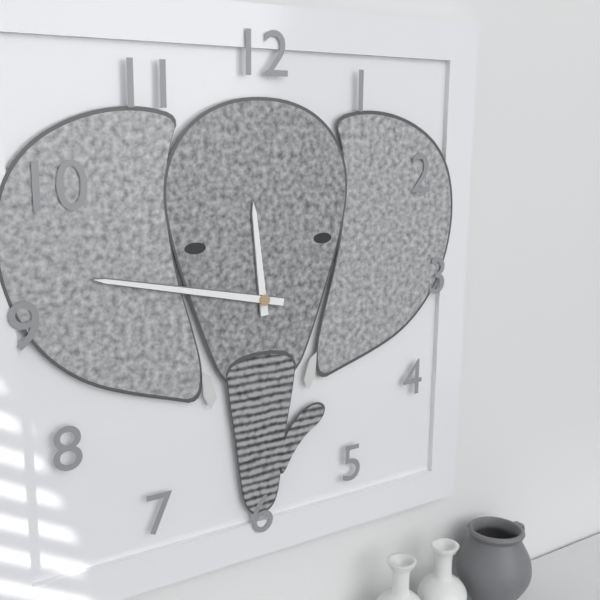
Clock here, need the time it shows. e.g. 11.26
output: 11.47
